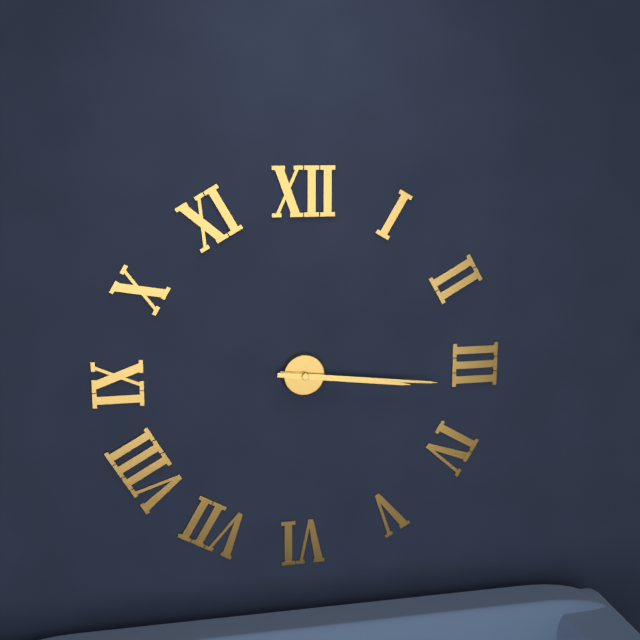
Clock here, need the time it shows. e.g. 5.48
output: 3.16
